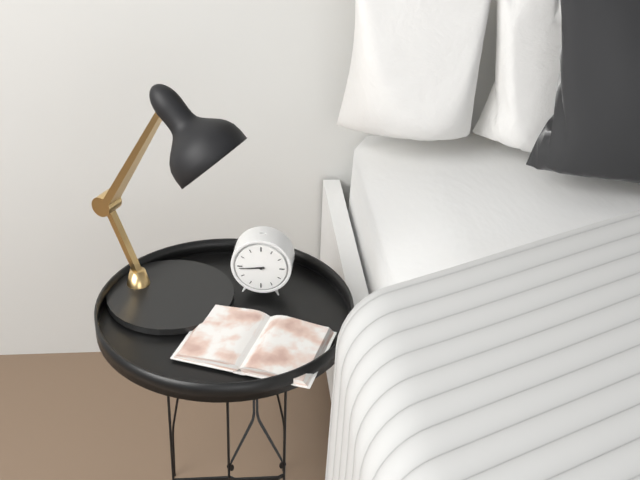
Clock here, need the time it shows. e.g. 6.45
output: 8.44
